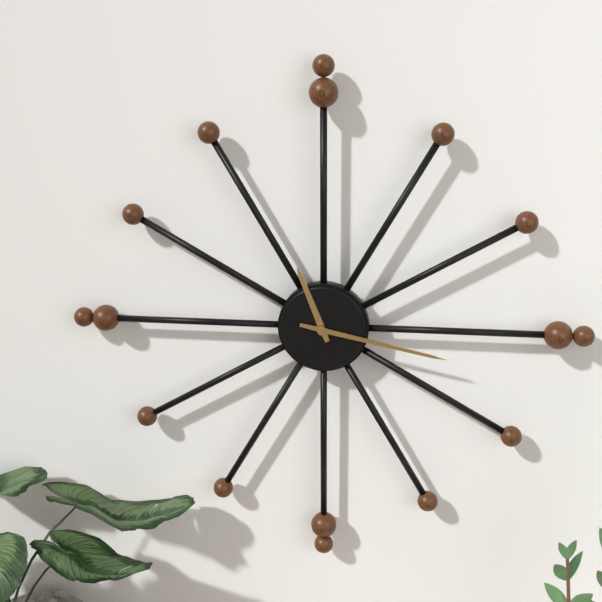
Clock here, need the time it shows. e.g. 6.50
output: 11.17
